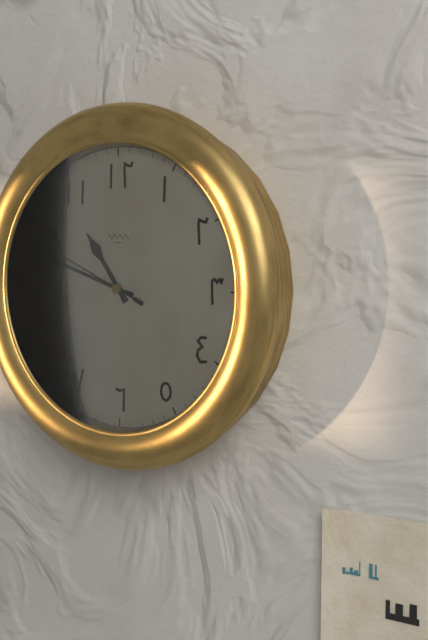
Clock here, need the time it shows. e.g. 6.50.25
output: 10.48.49
